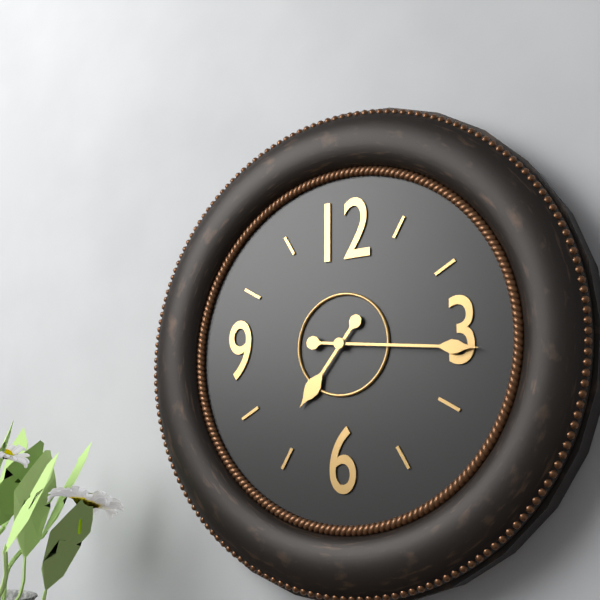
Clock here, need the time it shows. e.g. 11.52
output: 7.16
